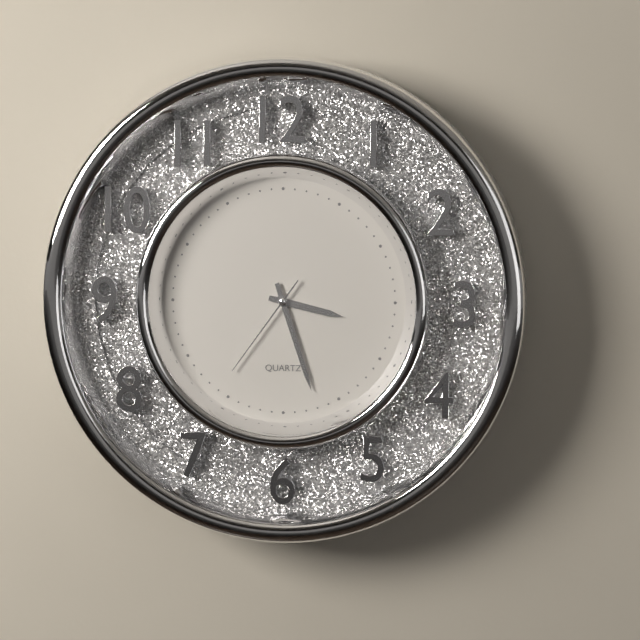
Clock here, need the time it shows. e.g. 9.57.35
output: 3.27.36
